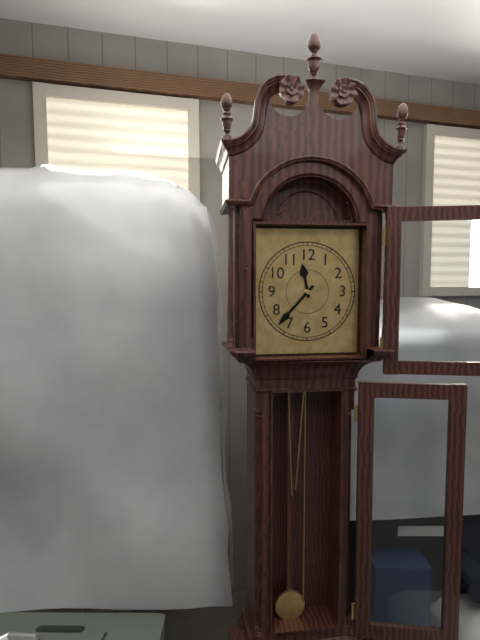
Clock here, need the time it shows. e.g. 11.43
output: 11.37
